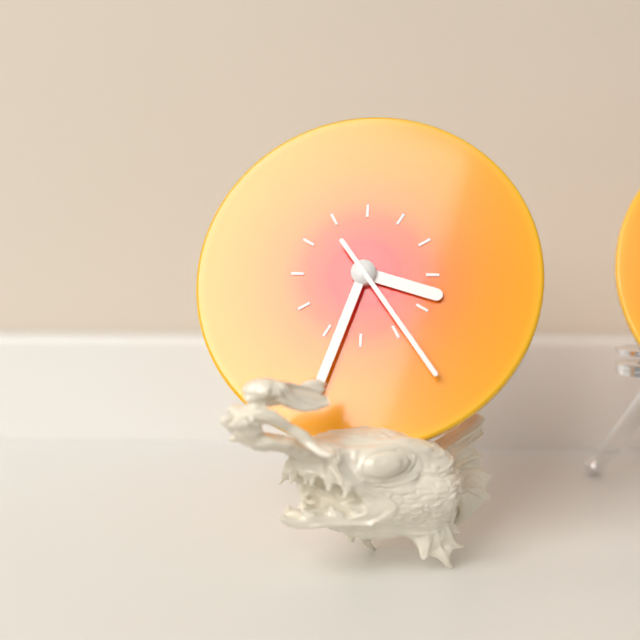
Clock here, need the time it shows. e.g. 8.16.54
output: 3.33.24
